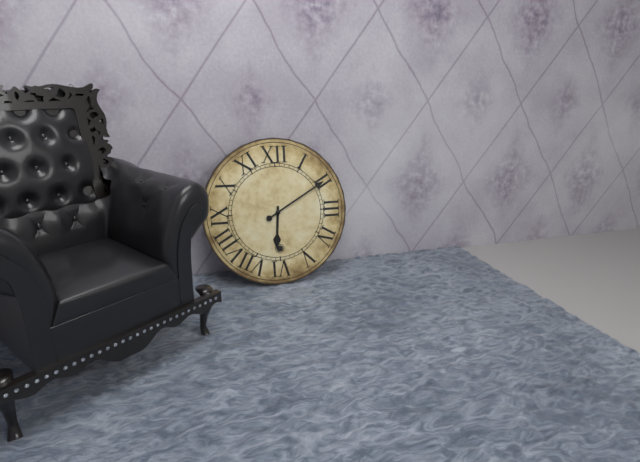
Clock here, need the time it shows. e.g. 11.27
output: 6.10
